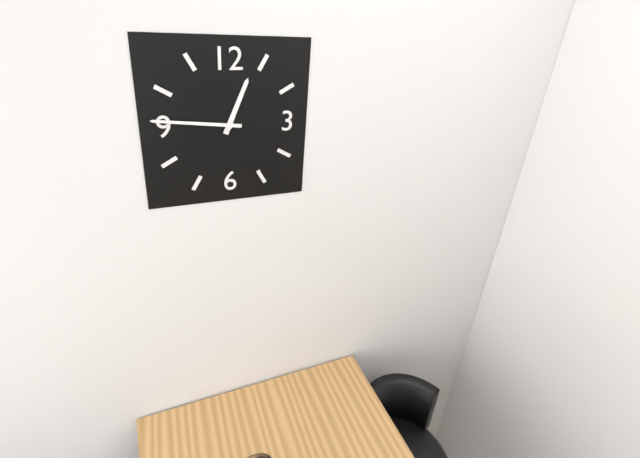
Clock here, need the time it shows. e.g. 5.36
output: 12.46
